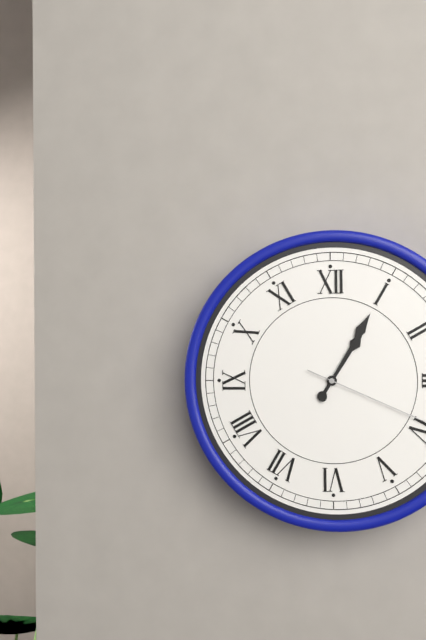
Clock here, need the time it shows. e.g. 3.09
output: 1.05
